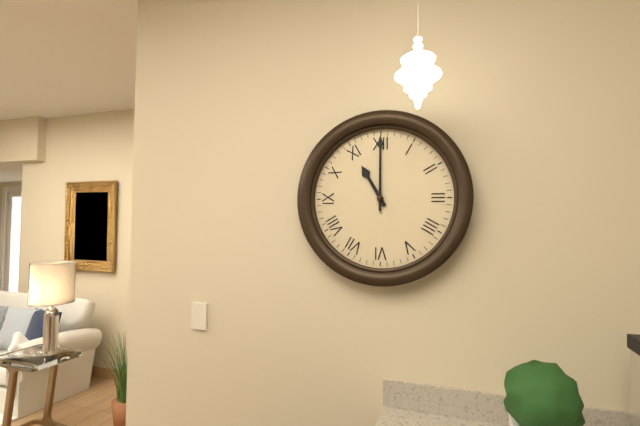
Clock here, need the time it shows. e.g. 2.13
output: 11.00
